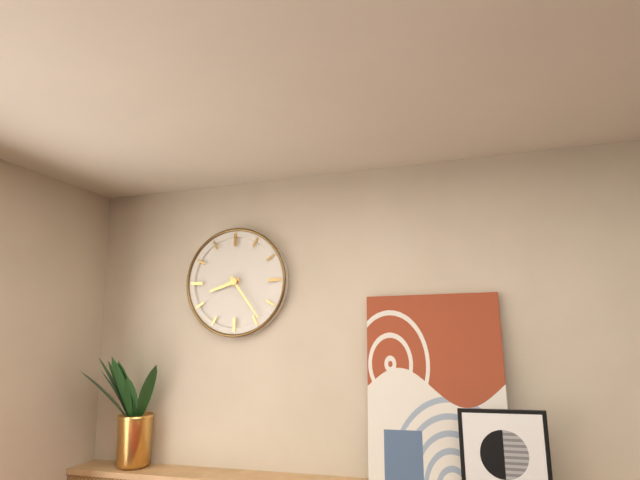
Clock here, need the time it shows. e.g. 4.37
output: 8.24
